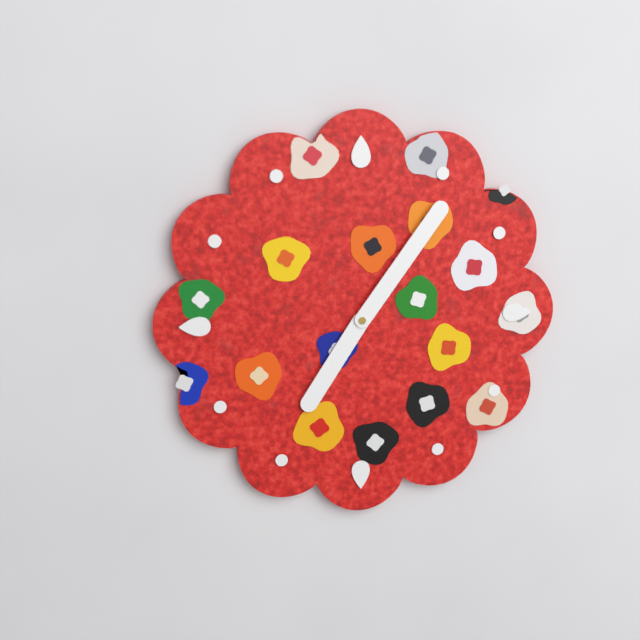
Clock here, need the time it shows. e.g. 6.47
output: 7.06
